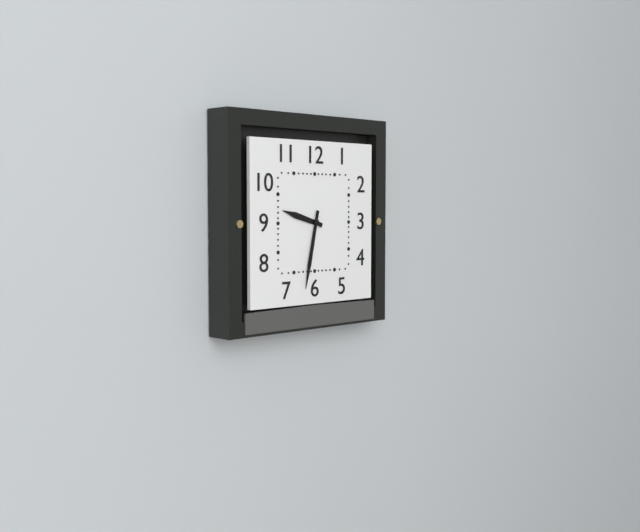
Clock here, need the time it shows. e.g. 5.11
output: 9.32
